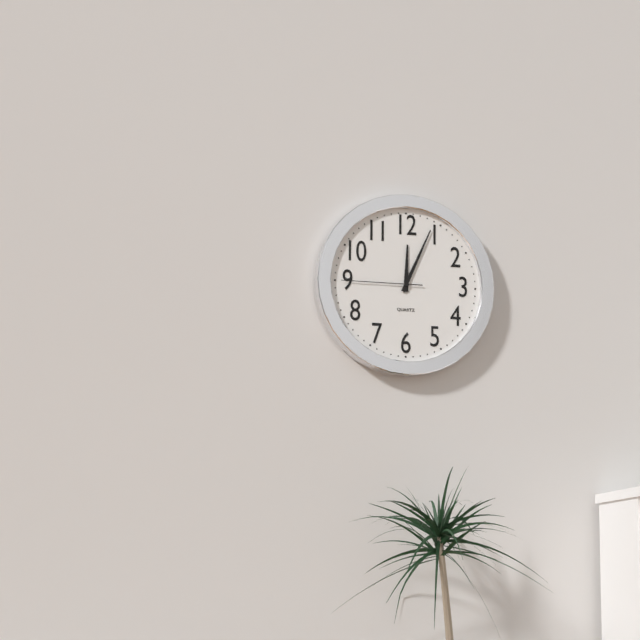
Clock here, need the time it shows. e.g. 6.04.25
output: 12.04.45
